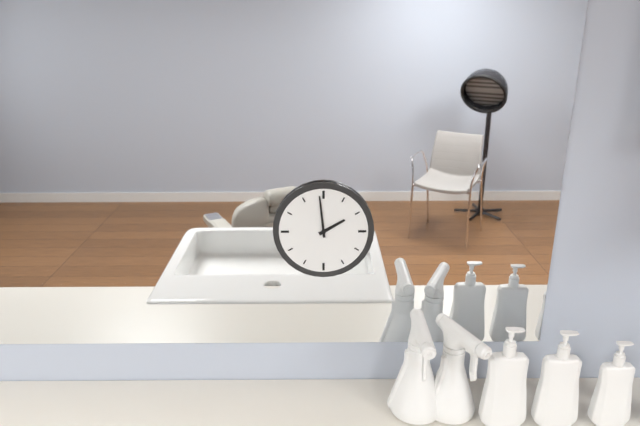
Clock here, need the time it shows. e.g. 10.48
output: 1.59
